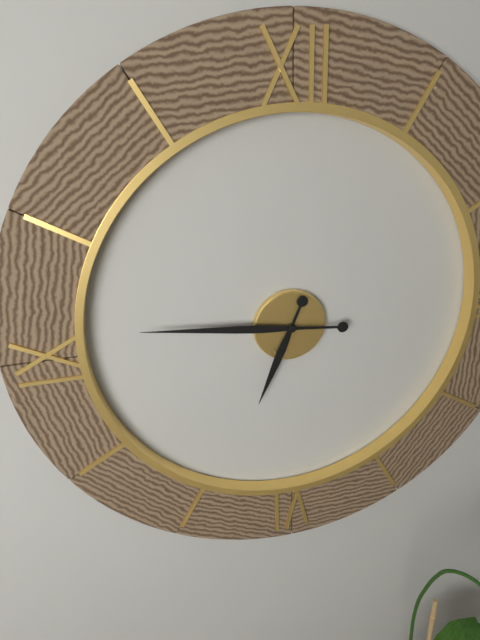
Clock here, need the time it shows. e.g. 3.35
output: 6.46
